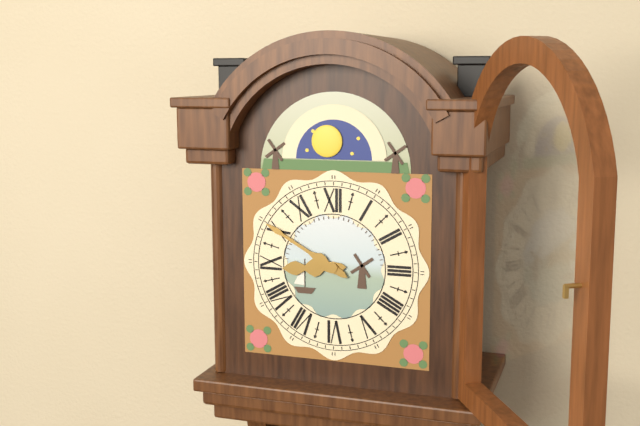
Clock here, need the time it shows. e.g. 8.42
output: 8.50
